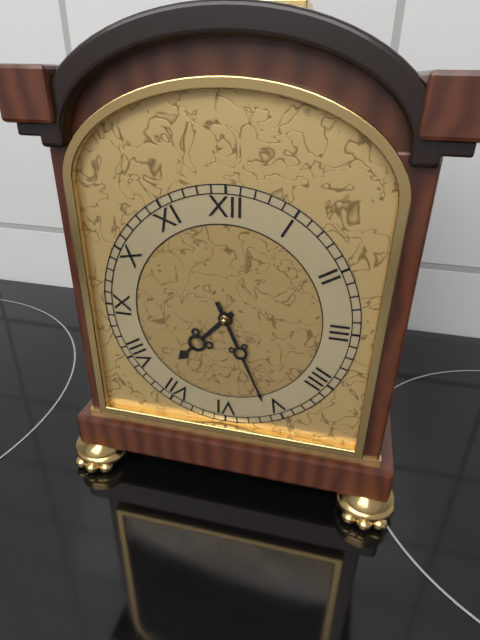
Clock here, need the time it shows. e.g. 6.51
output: 7.26
